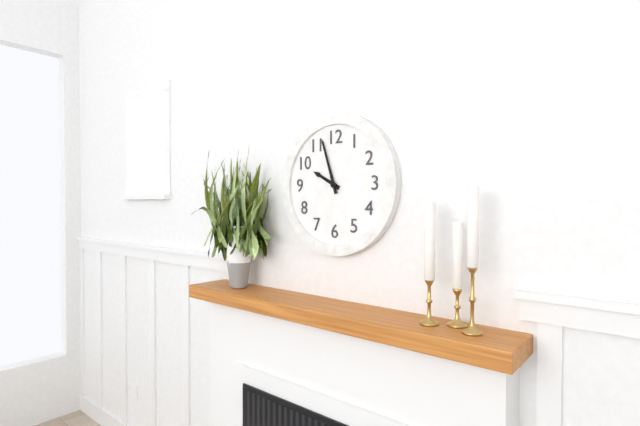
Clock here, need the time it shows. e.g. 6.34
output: 9.57
